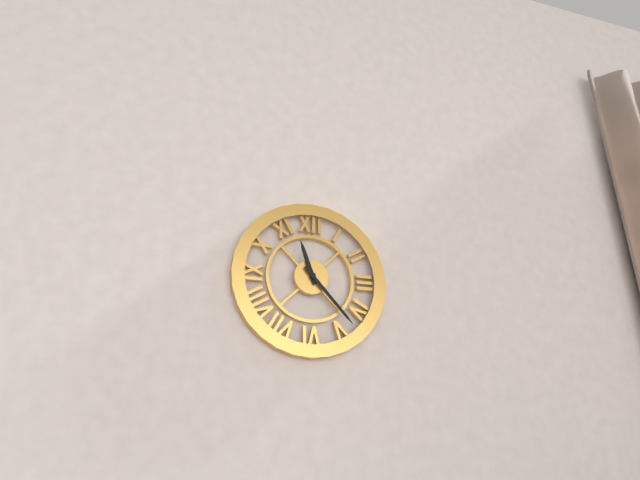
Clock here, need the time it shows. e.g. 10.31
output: 11.23
